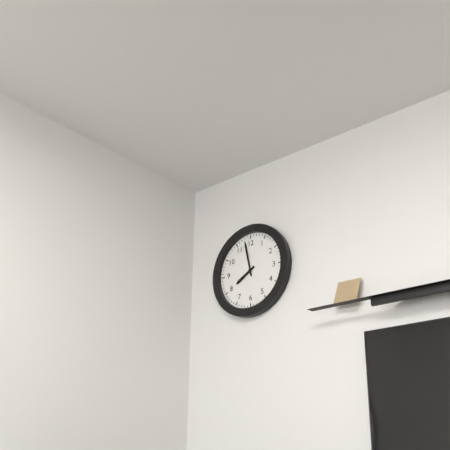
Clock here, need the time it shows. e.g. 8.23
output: 7.58
